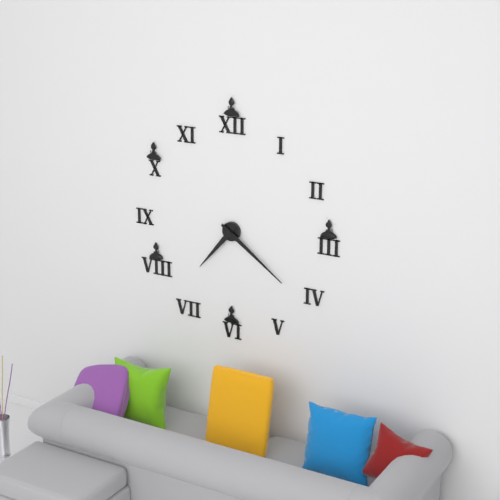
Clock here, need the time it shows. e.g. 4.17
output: 7.21
